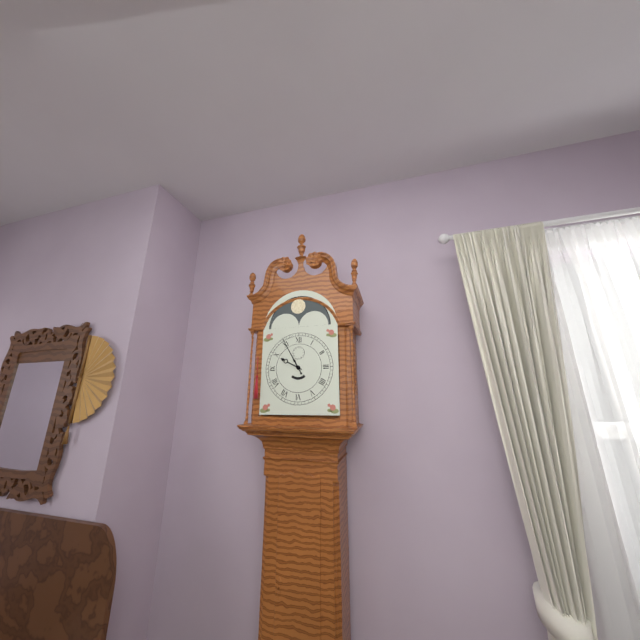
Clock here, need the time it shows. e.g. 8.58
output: 9.55
